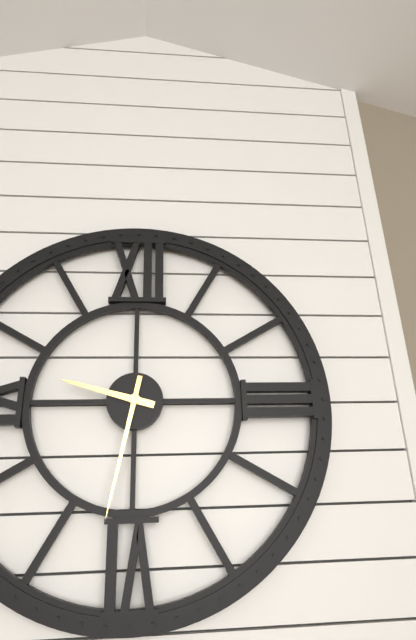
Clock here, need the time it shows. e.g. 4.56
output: 9.32
